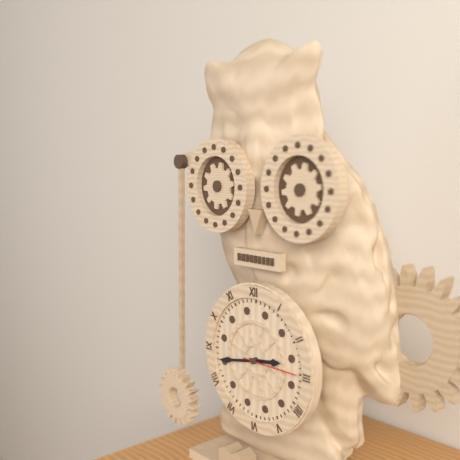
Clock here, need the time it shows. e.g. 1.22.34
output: 2.43.15
